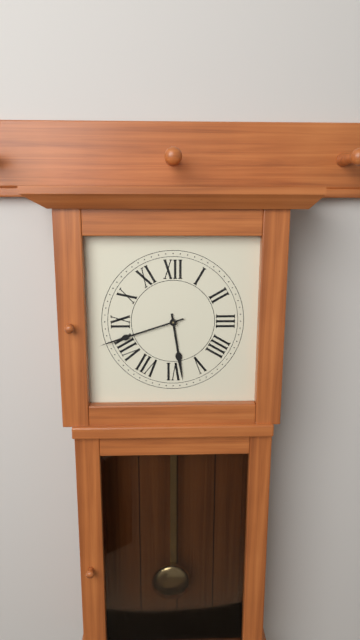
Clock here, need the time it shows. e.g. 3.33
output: 5.42
